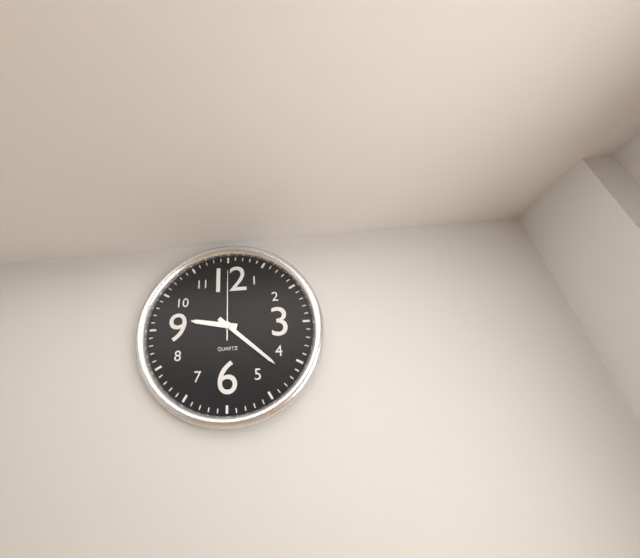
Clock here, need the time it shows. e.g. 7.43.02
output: 9.22.00
